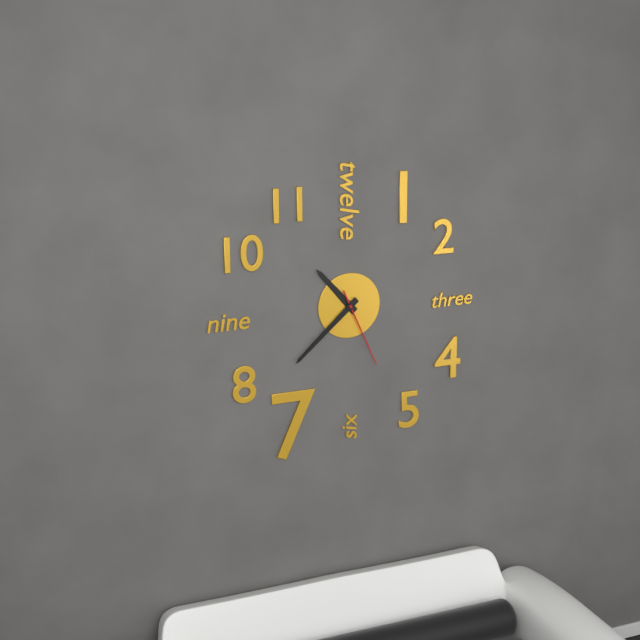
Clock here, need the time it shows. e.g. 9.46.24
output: 10.38.26
